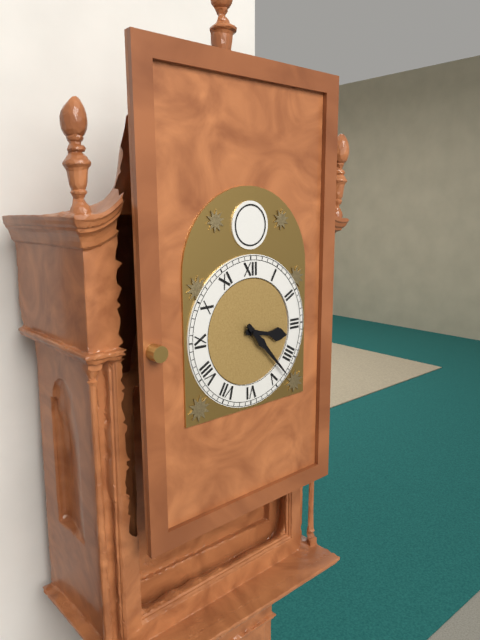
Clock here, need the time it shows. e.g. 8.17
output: 3.23
